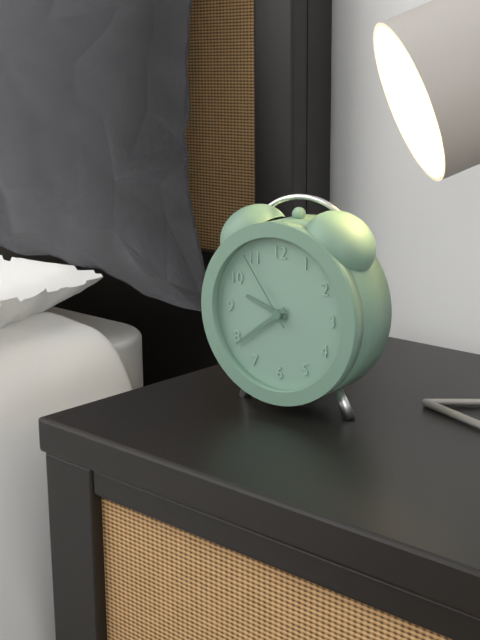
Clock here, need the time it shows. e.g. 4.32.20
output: 9.39.54
